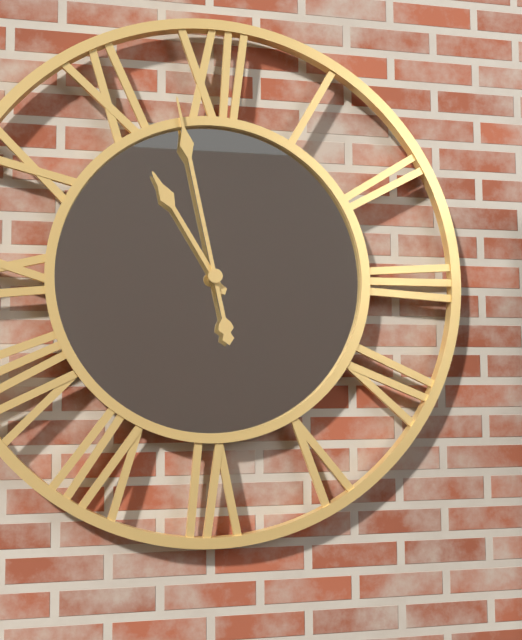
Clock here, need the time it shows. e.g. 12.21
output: 10.58
